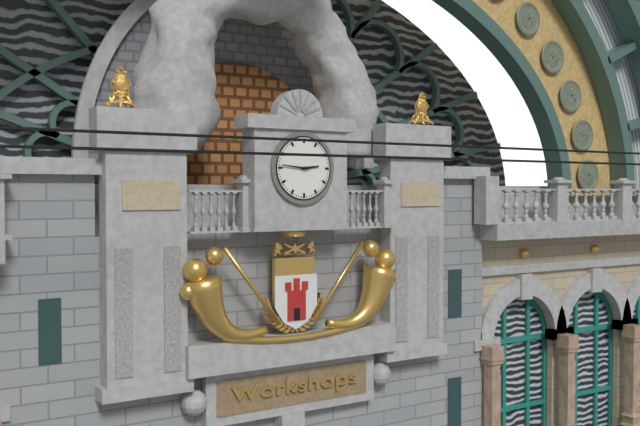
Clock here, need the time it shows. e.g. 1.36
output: 2.46
